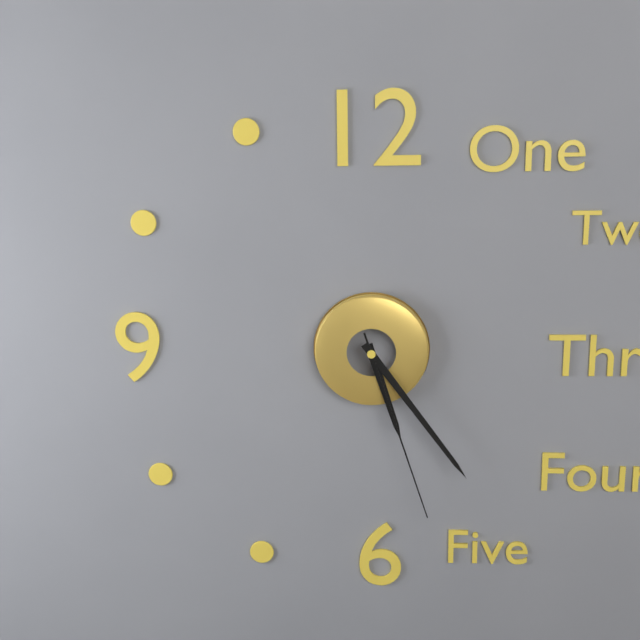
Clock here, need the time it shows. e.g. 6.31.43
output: 5.24.27
